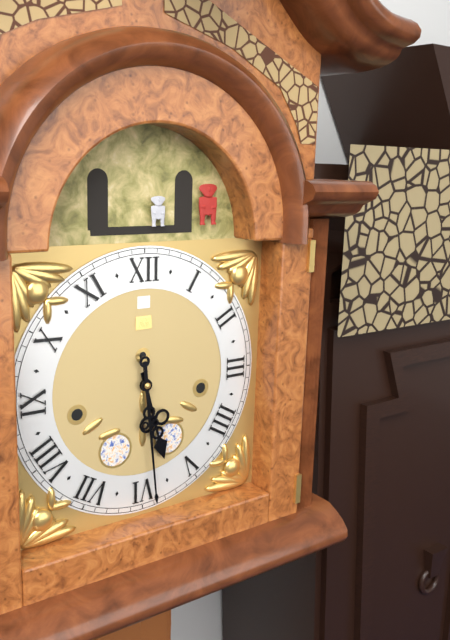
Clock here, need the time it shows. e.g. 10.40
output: 5.29
